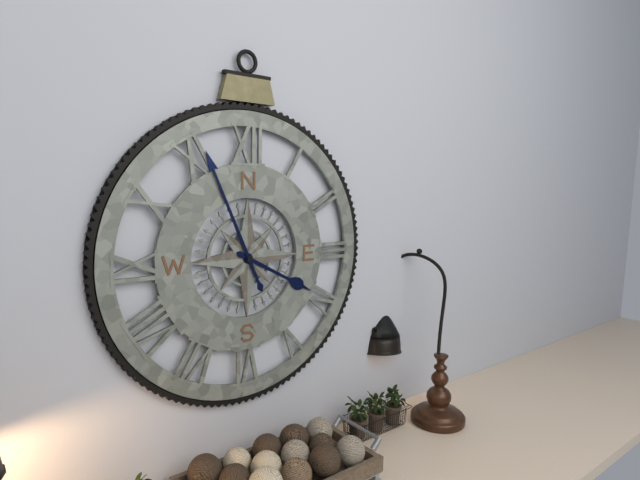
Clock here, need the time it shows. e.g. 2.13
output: 3.56
